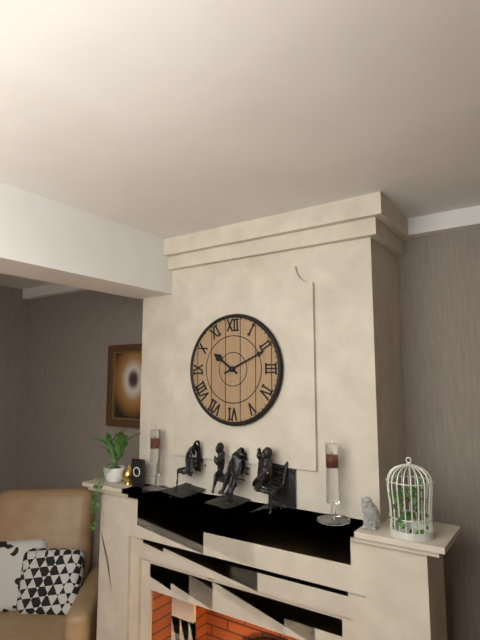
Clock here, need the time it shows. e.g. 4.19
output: 10.11
